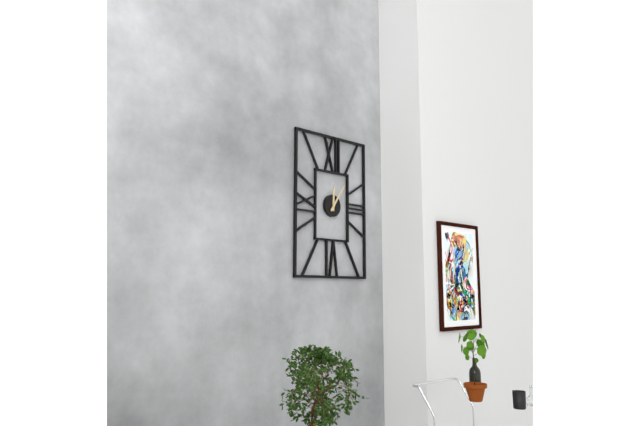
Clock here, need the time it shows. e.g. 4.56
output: 12.06
